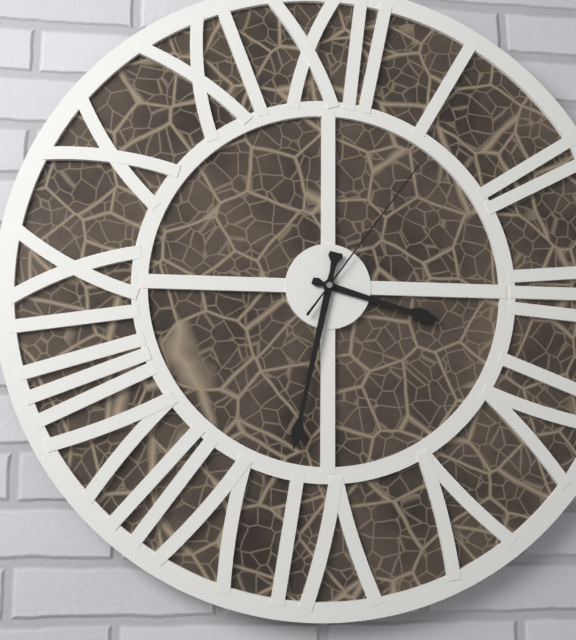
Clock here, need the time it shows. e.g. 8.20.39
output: 3.32.06
